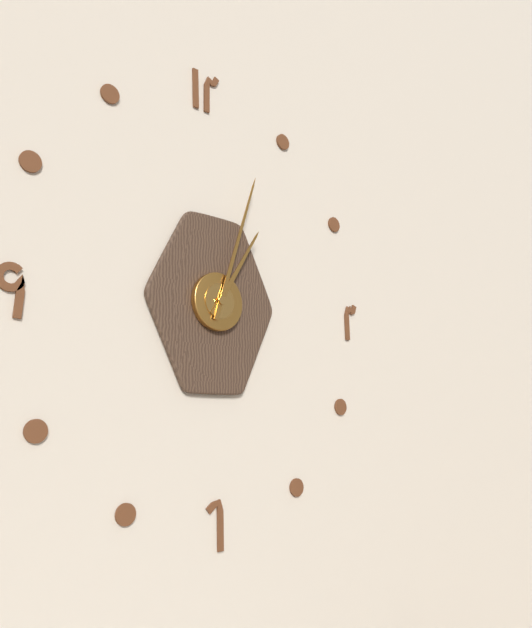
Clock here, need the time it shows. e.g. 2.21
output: 1.03
